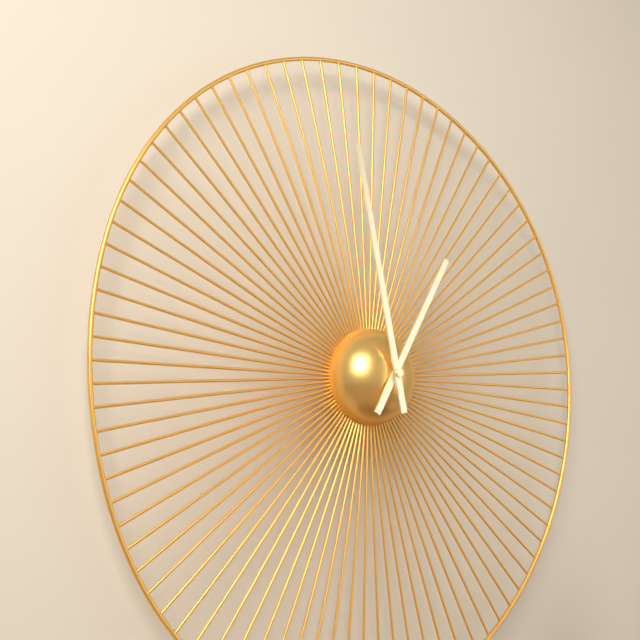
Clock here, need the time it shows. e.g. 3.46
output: 12.58
